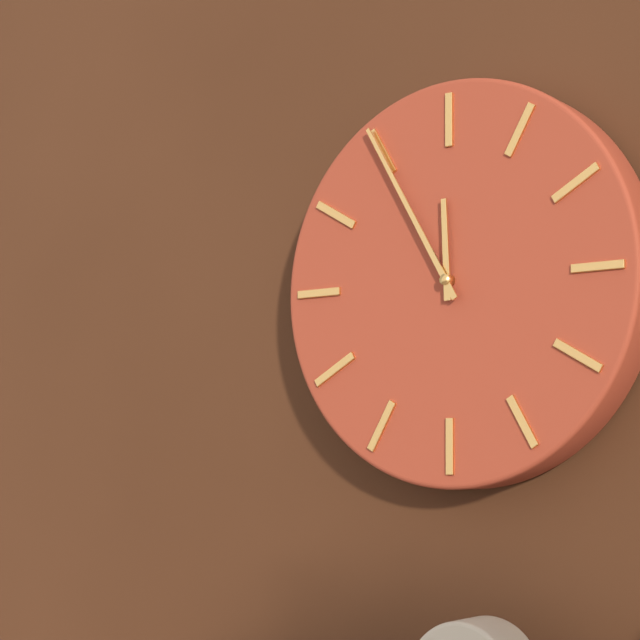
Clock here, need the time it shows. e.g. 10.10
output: 11.55
